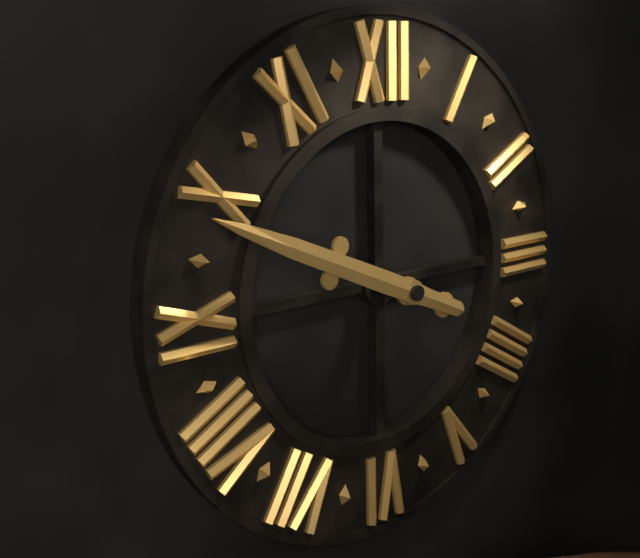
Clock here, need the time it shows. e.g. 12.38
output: 9.49
